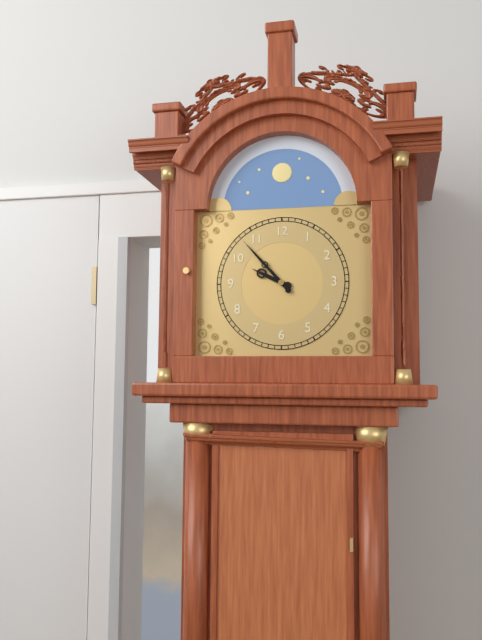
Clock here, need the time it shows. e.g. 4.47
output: 9.53
